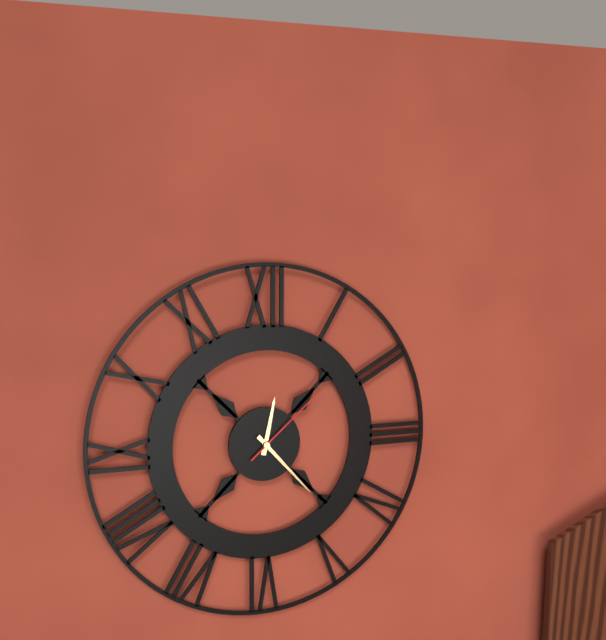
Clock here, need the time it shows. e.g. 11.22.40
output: 12.23.08
